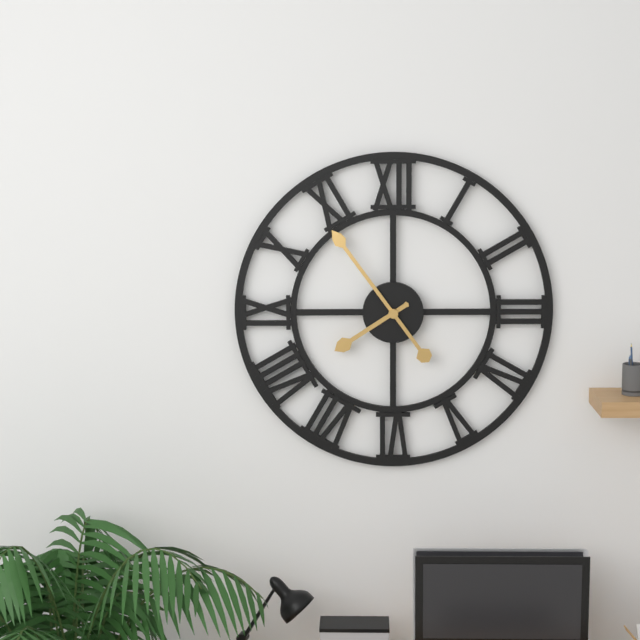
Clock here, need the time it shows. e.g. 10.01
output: 7.54
